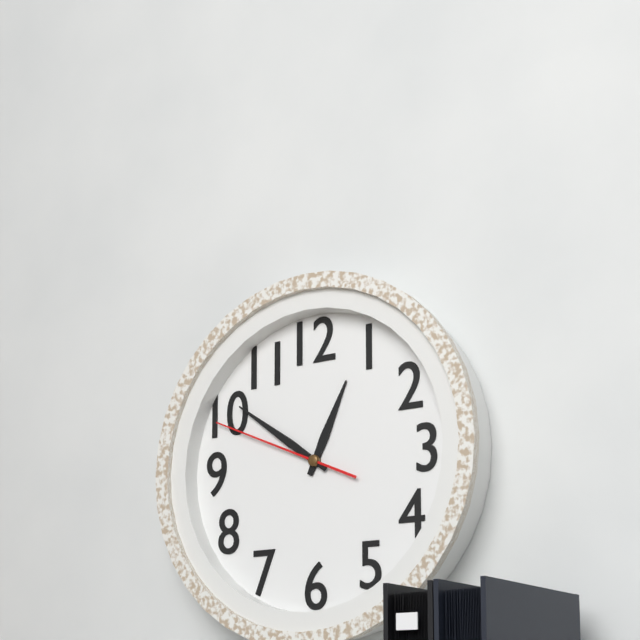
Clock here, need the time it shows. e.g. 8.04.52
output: 12.51.49
